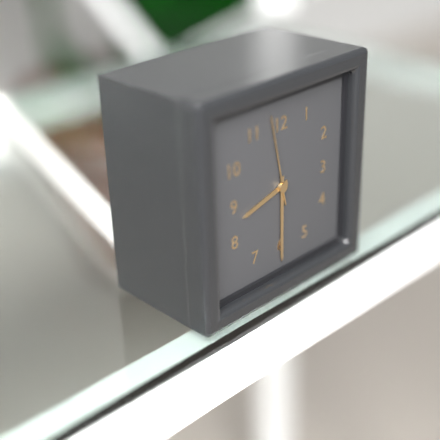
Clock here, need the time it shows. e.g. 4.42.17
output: 8.30.58
